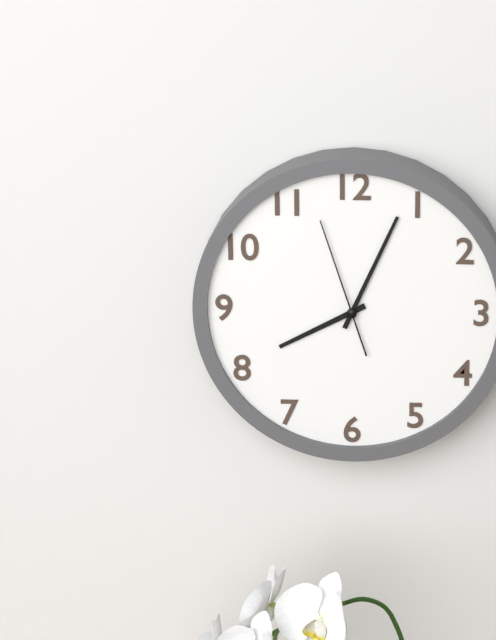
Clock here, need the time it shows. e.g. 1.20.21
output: 8.04.57
